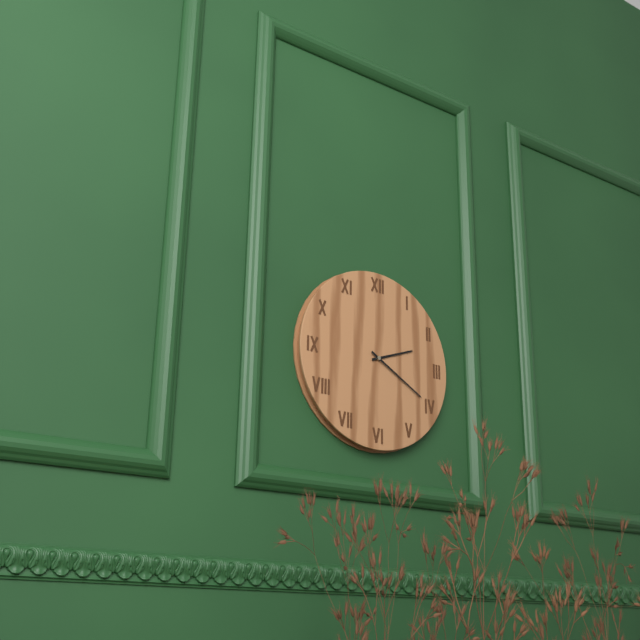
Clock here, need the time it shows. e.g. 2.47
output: 2.20
